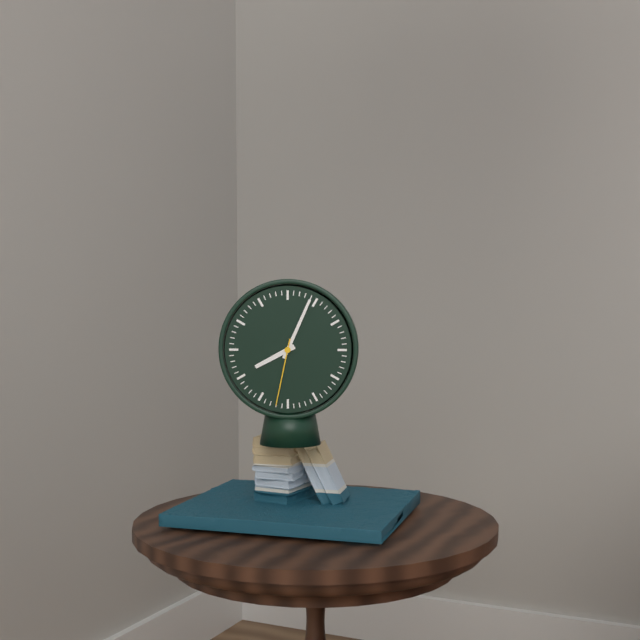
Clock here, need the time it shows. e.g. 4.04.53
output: 8.04.32
